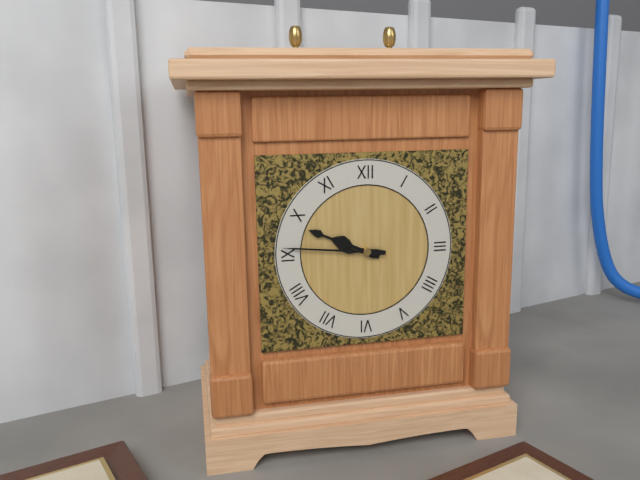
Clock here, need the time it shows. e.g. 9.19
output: 9.46
